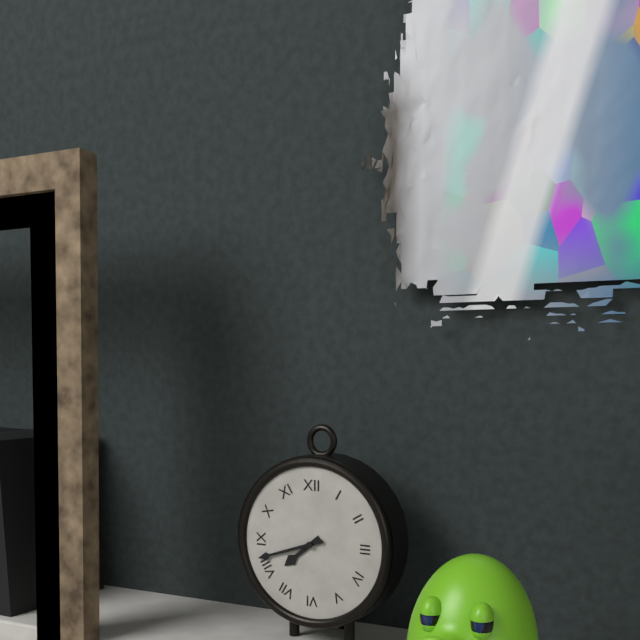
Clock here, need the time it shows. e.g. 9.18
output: 7.42
